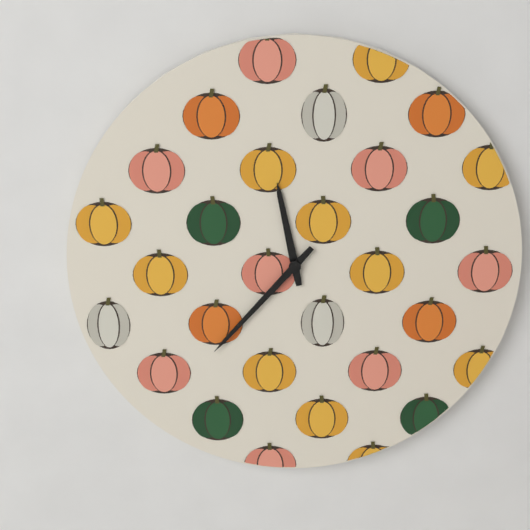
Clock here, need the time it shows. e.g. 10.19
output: 11.37
